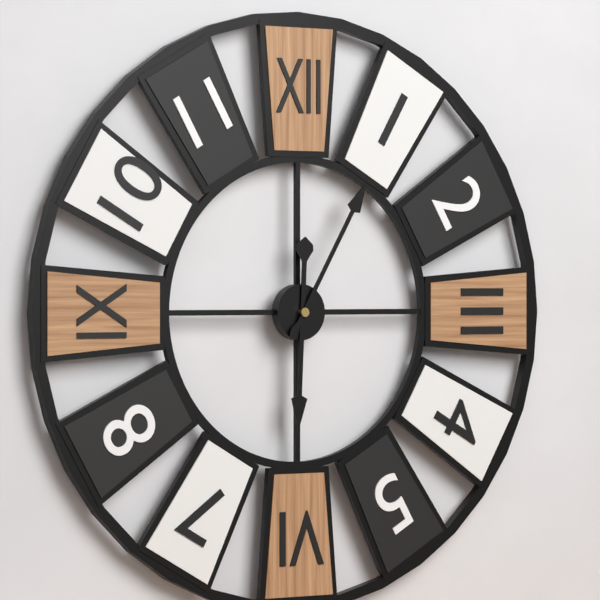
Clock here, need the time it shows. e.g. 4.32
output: 6.05
